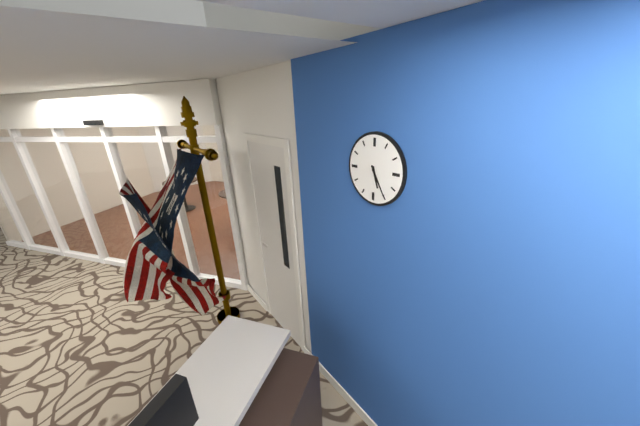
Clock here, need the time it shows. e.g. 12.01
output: 5.25
